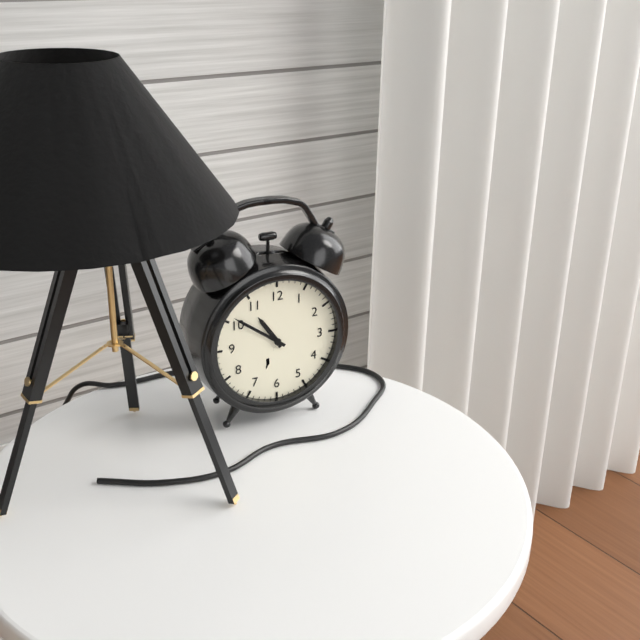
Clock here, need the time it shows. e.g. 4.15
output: 10.51
